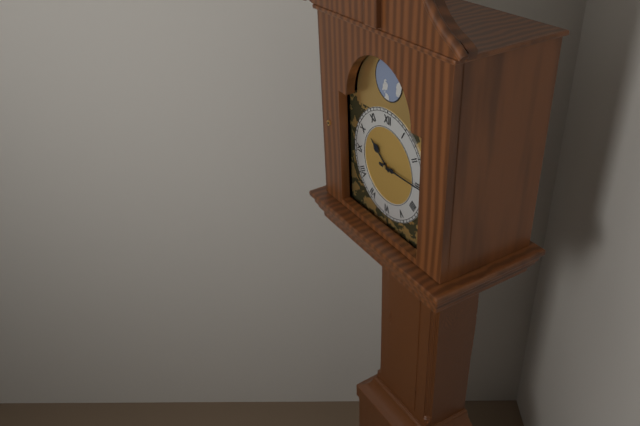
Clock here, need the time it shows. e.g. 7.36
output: 10.15
